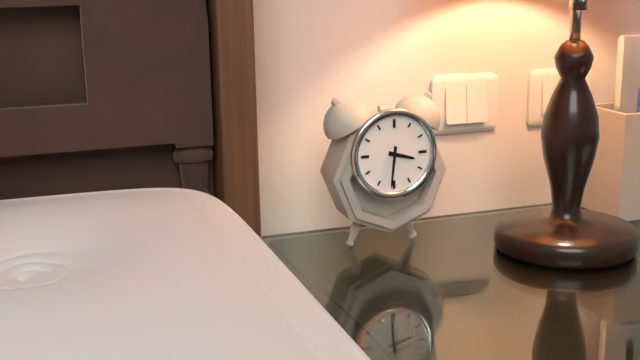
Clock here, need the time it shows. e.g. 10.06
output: 3.31
